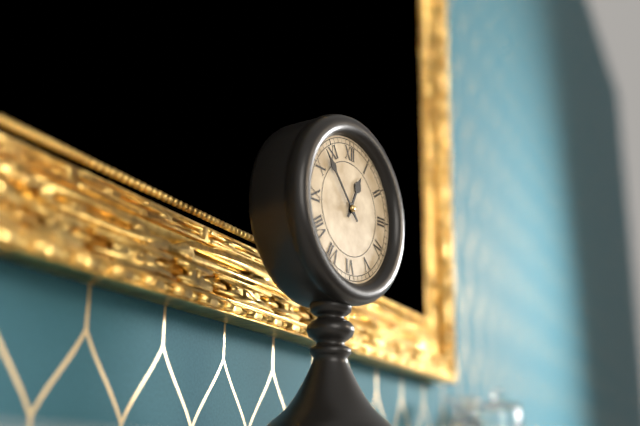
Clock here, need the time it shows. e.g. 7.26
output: 12.53
